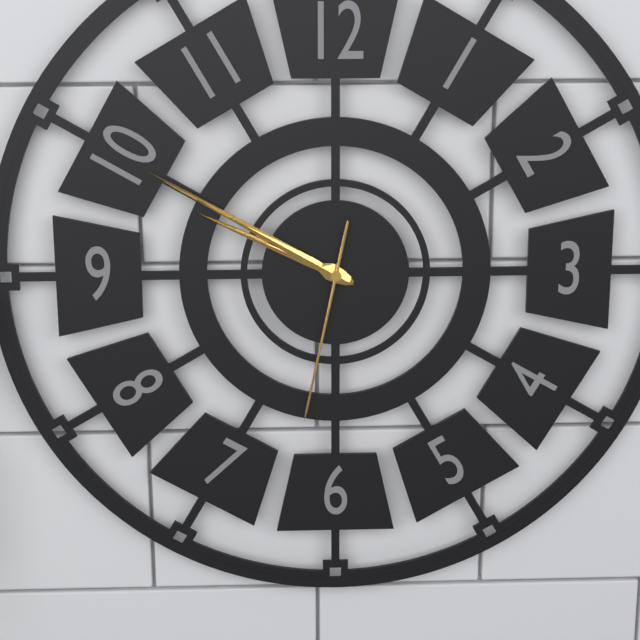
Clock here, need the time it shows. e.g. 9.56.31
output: 9.50.32
